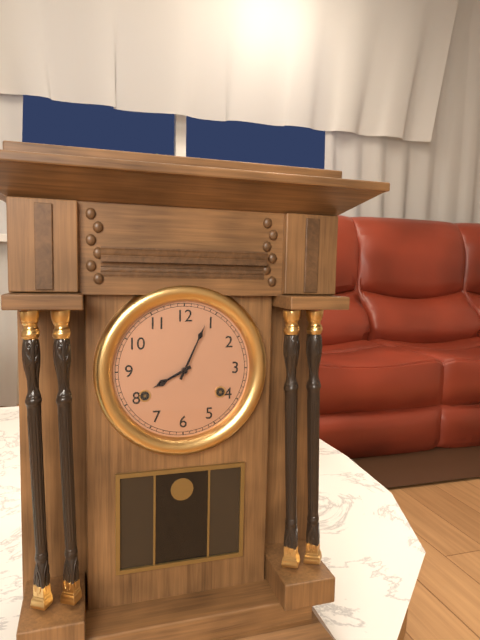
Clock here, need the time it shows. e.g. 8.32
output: 8.04
